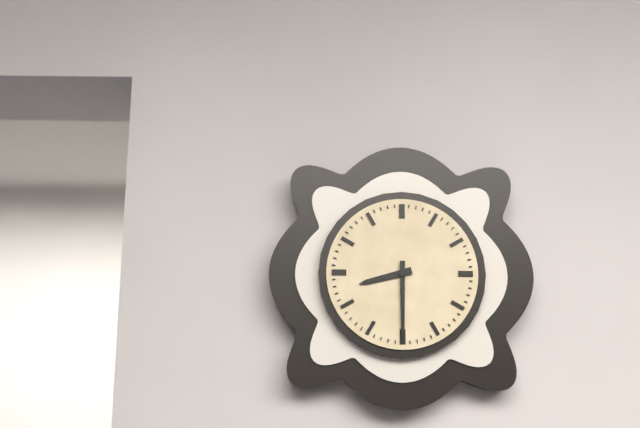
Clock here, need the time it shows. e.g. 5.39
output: 8.30
